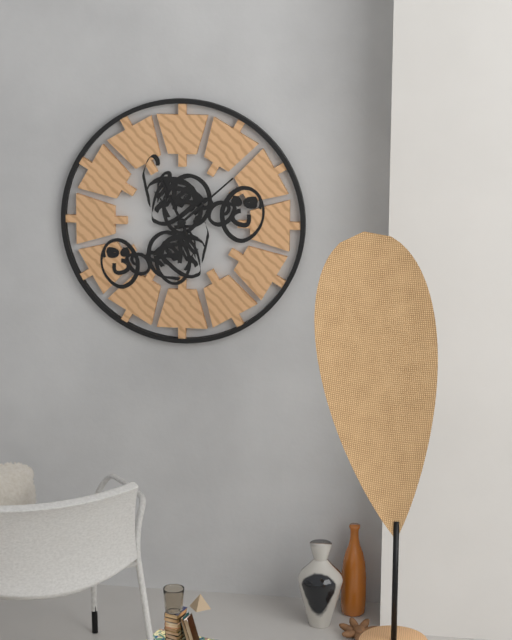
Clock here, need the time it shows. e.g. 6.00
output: 11.08
